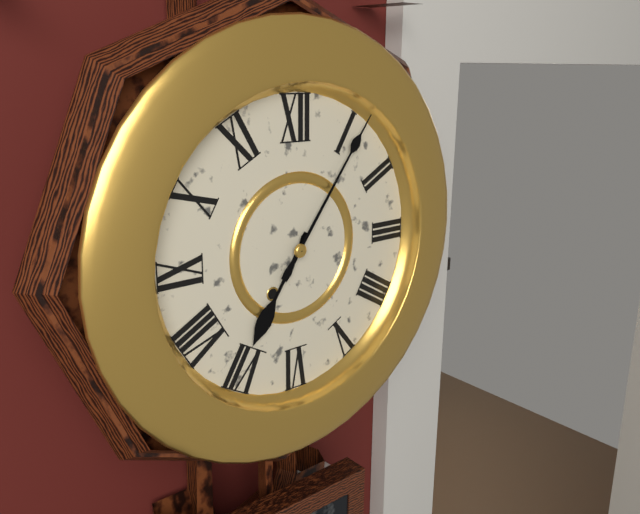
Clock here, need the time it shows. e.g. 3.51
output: 7.06
